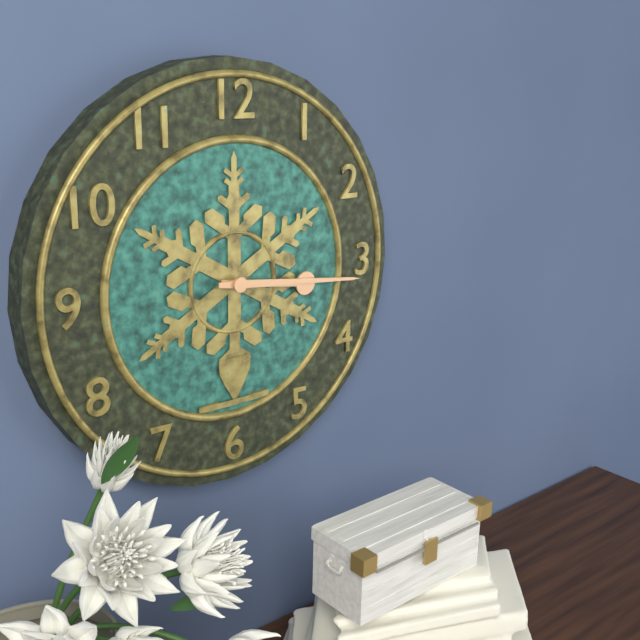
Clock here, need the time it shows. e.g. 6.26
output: 3.16
